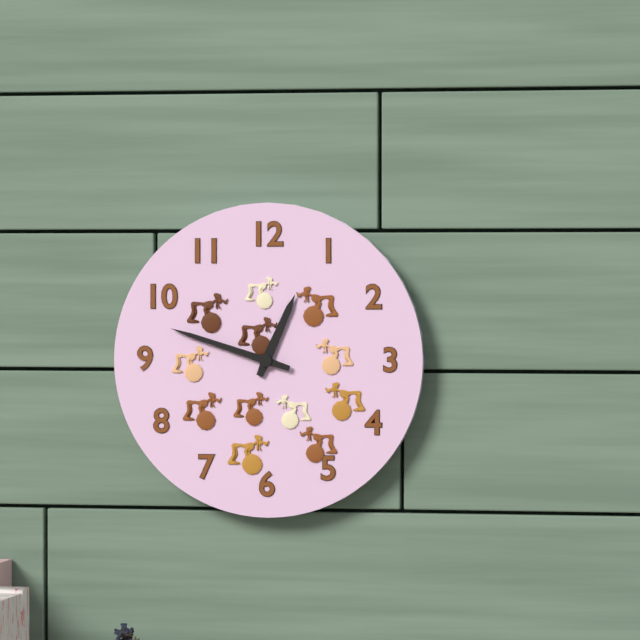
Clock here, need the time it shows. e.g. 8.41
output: 12.48
